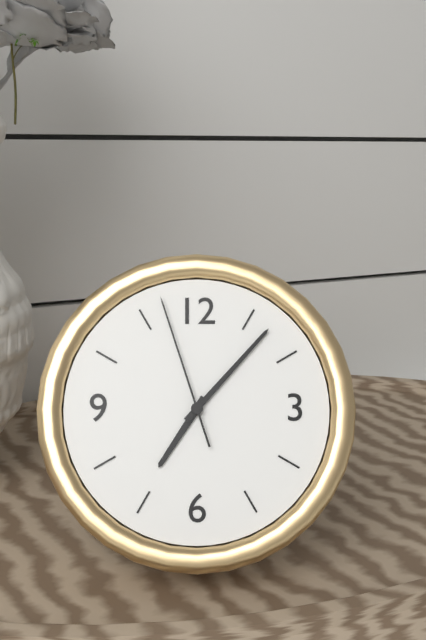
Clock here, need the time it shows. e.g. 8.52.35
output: 7.07.57
